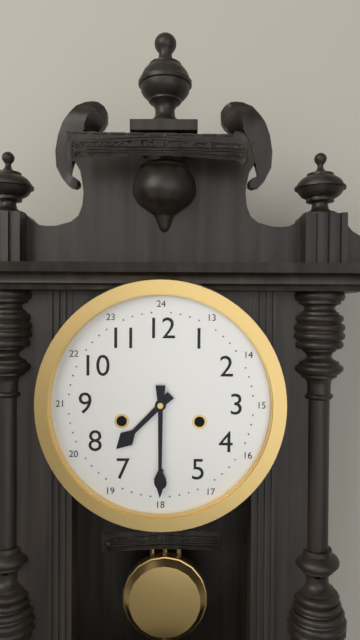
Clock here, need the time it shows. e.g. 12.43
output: 7.30
